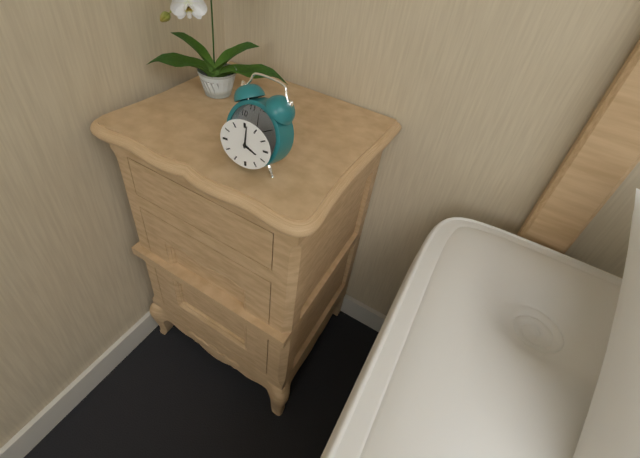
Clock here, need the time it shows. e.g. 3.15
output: 4.01
